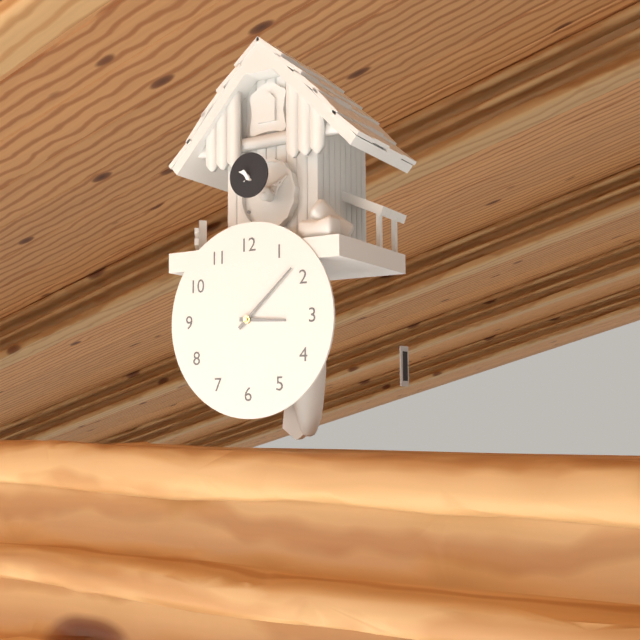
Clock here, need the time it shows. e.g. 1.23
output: 3.08
